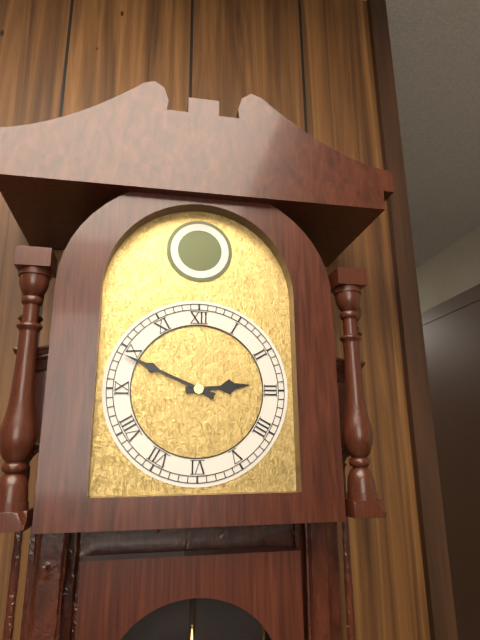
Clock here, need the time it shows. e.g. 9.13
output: 2.49
